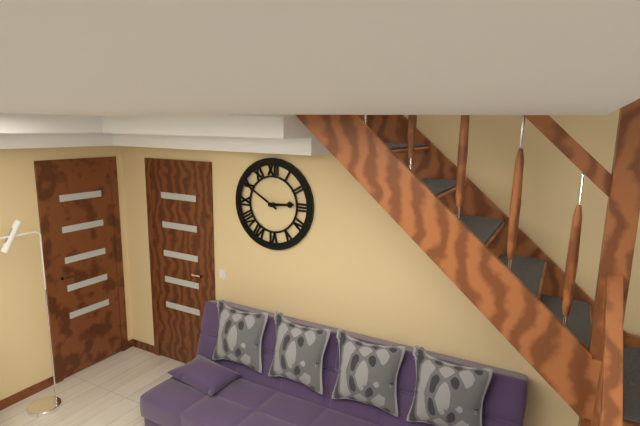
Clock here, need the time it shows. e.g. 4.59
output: 2.50
